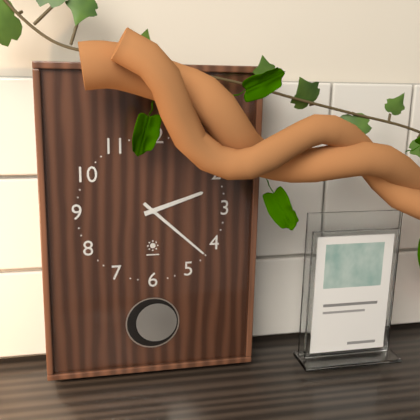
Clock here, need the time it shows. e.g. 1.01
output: 2.22
